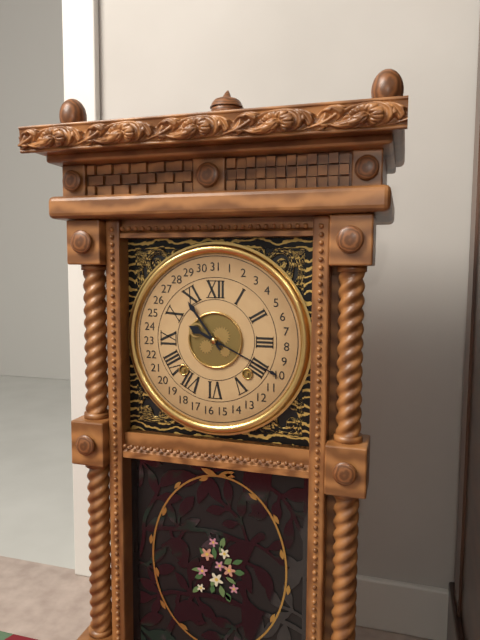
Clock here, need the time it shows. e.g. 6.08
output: 9.54
